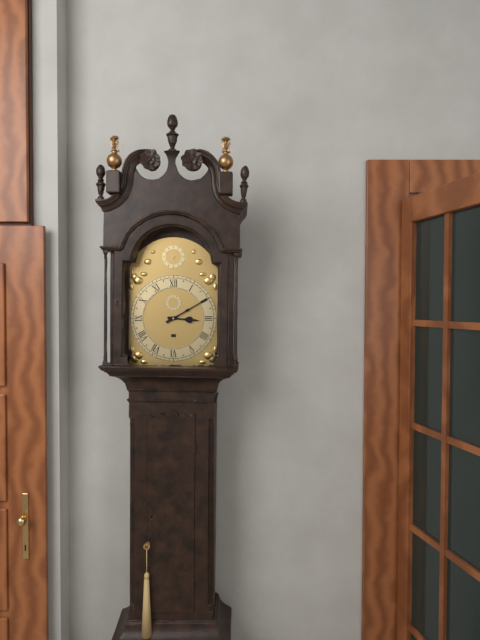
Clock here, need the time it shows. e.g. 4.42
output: 3.10
